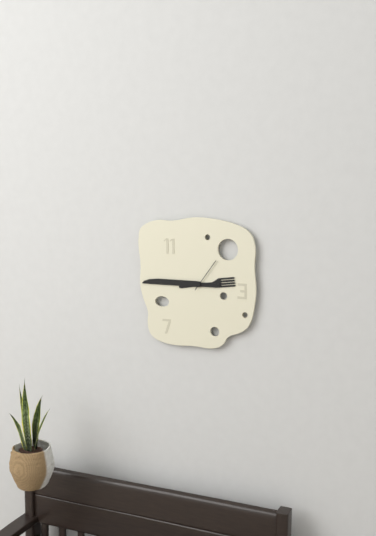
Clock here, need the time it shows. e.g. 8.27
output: 2.45
